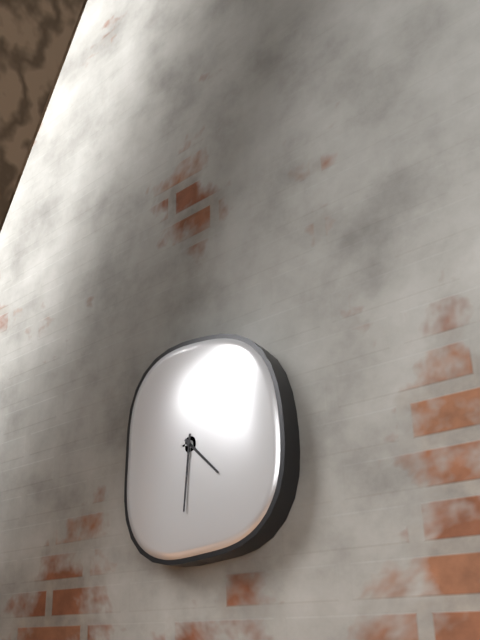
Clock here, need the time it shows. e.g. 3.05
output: 4.31
